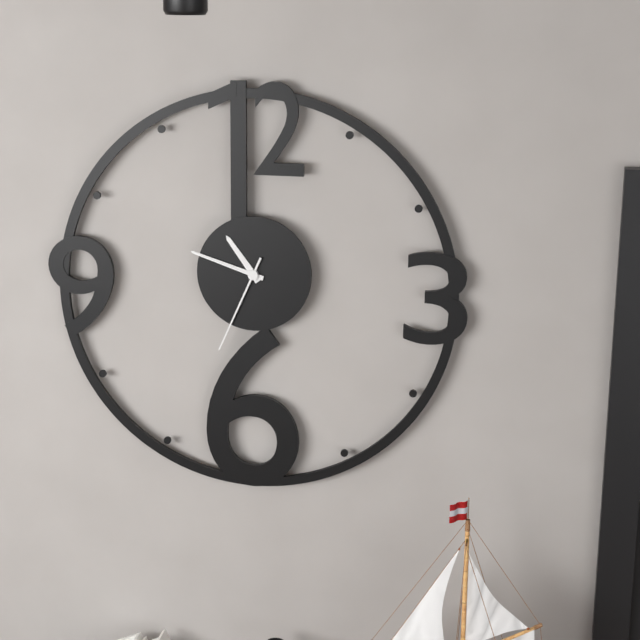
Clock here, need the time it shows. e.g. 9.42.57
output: 10.48.34
